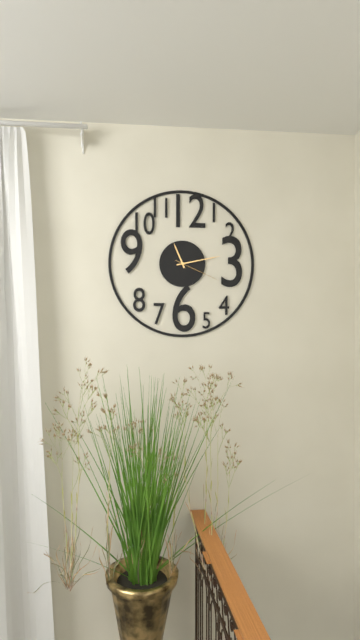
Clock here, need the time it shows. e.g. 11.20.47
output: 11.13.19
